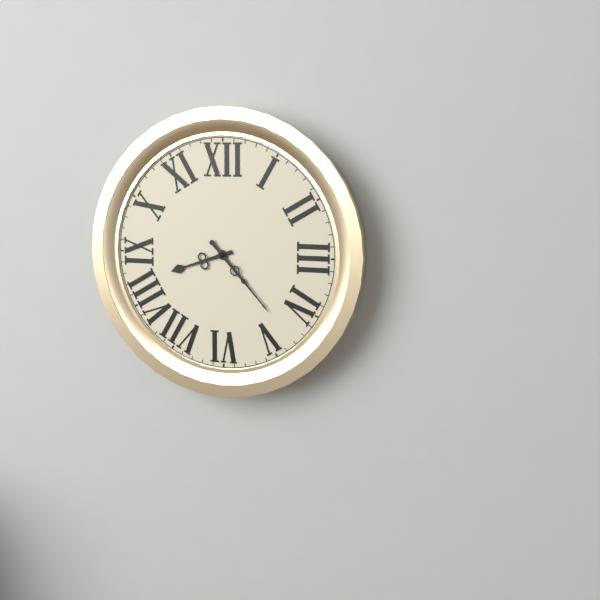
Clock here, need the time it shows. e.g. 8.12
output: 8.23
